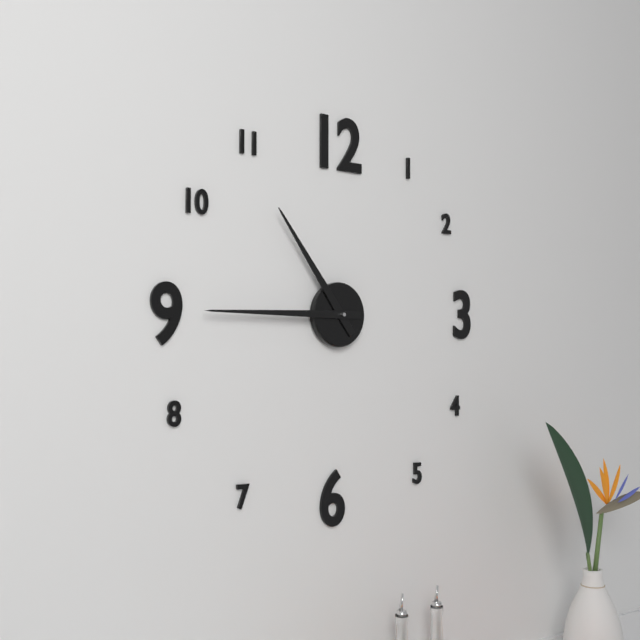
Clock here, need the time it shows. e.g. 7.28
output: 10.45
